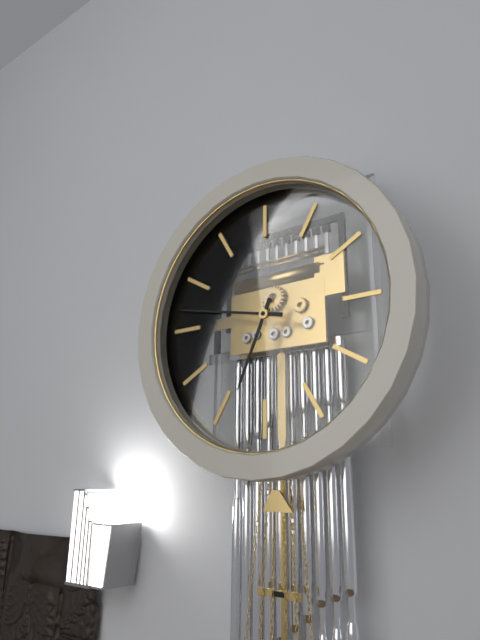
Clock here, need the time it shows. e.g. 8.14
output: 6.47
